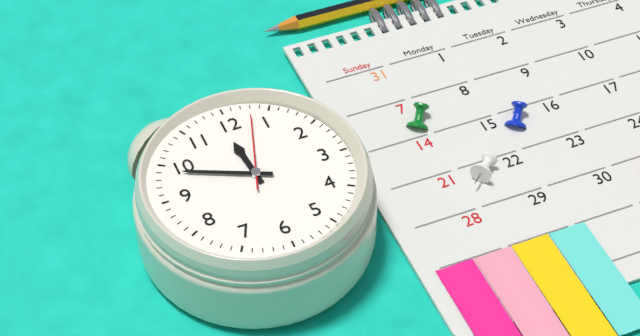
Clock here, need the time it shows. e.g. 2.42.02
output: 11.49.03
